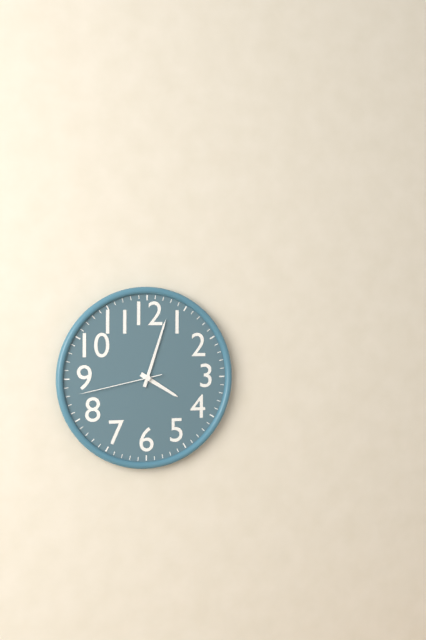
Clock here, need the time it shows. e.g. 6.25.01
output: 4.03.43
